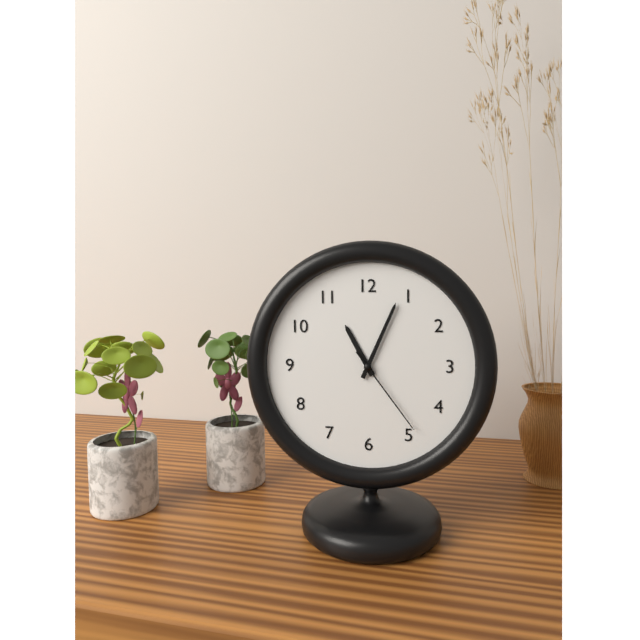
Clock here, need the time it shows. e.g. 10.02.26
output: 11.04.24
